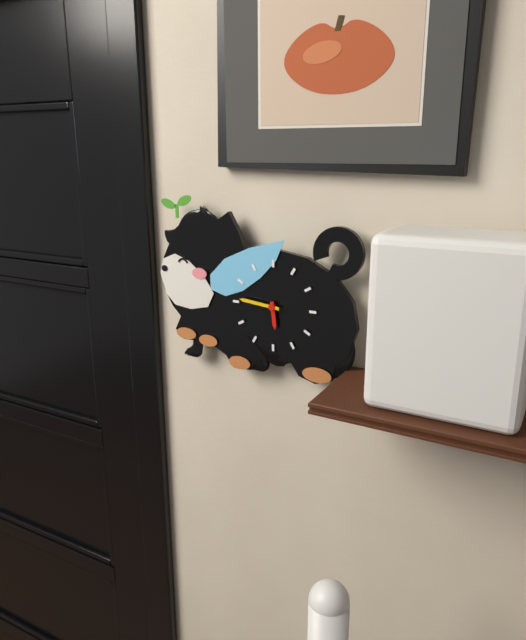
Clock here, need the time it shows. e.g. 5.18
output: 5.46
